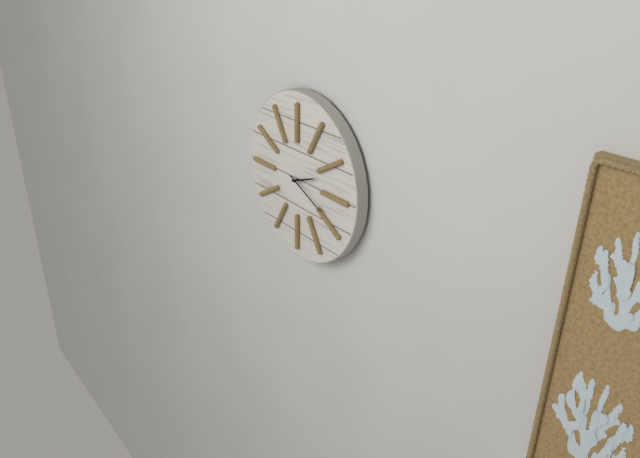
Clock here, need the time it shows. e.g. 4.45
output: 2.19
